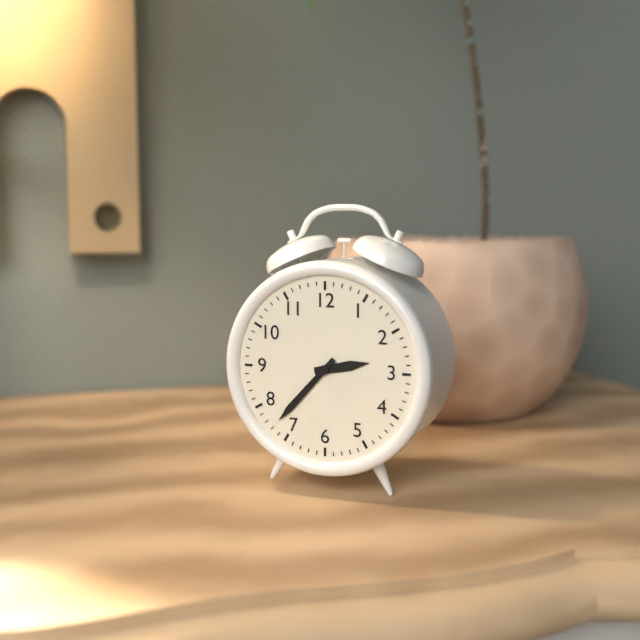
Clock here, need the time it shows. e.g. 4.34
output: 2.37
